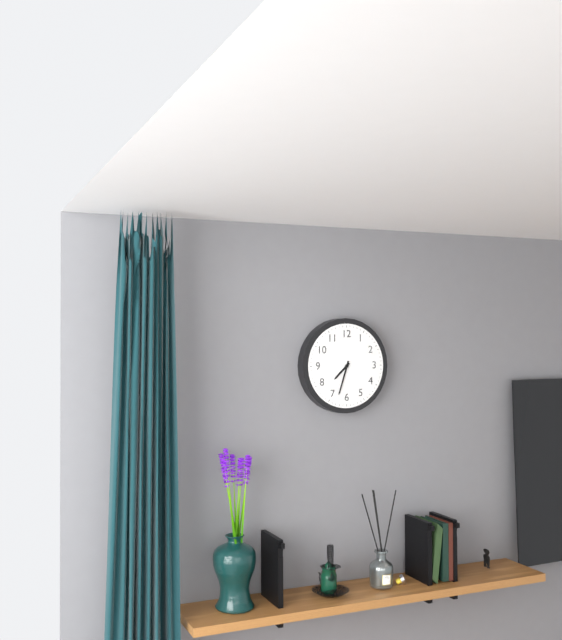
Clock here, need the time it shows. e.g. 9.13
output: 7.33
